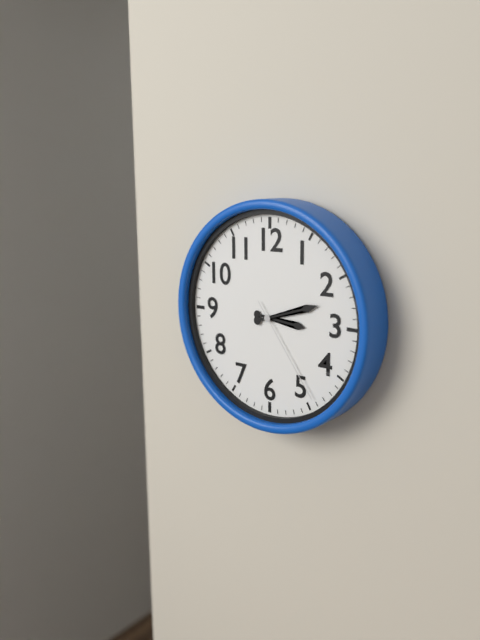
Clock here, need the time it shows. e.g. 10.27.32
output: 3.12.24
